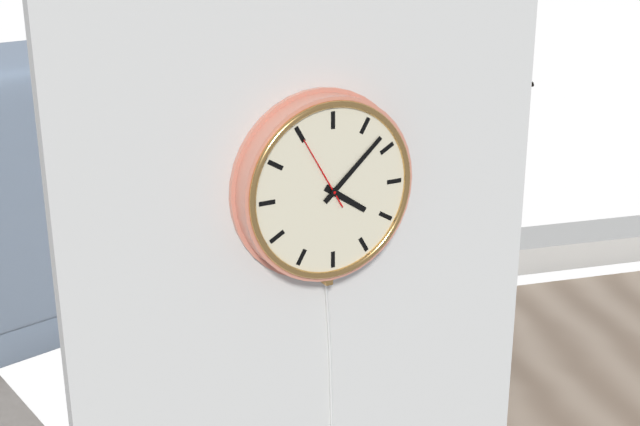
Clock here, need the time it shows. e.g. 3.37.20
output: 4.08.55
